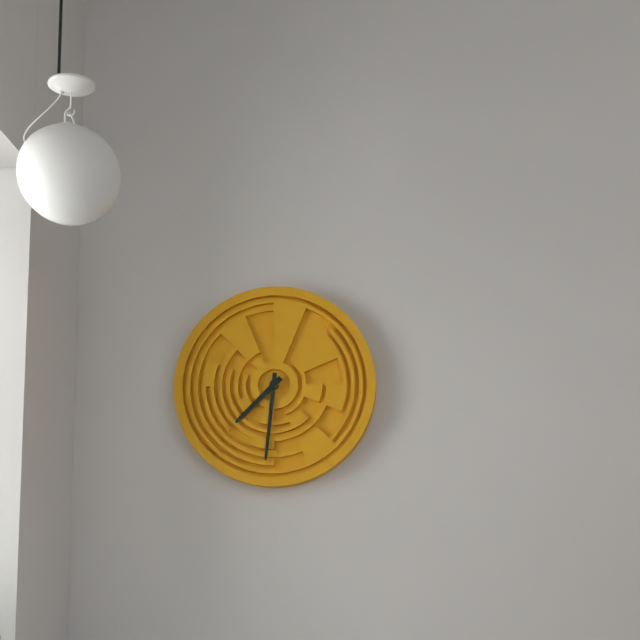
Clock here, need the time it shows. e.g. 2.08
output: 7.31
